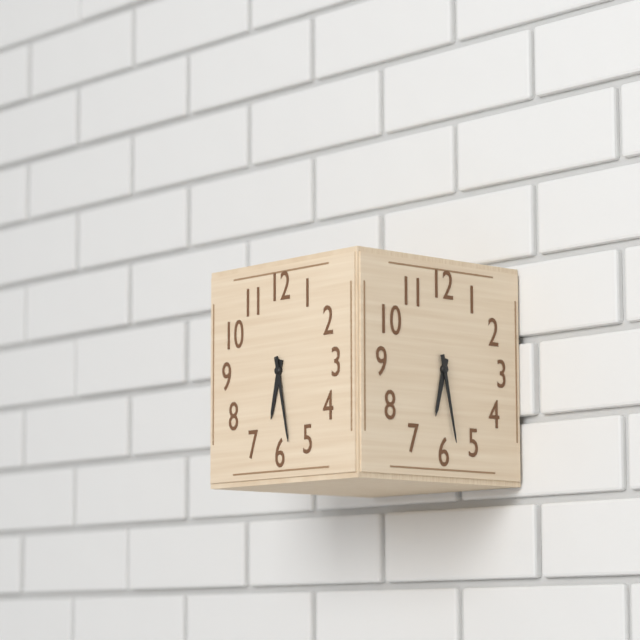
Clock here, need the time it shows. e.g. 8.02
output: 6.28
